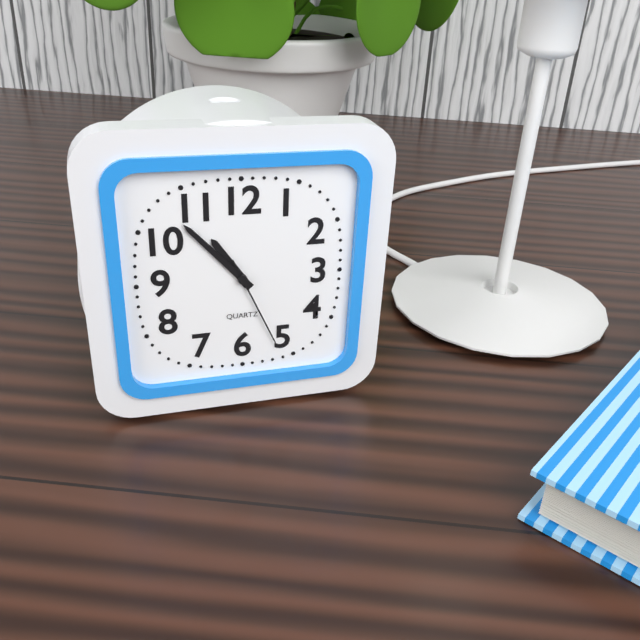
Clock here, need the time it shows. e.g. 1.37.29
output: 10.53.26
